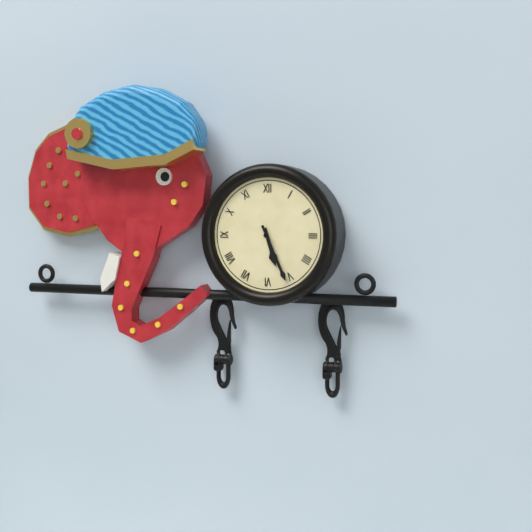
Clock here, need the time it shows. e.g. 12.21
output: 5.26
